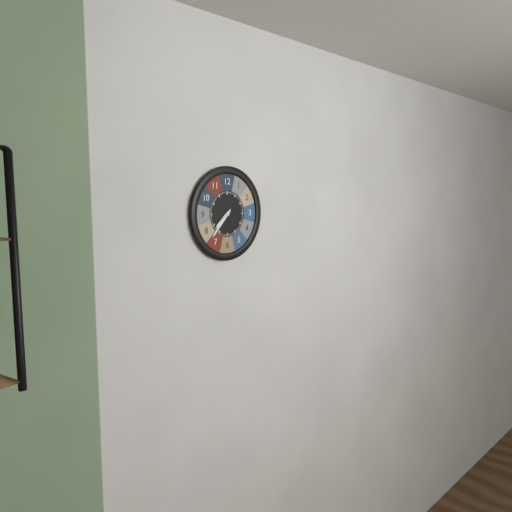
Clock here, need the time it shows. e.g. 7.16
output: 7.37
